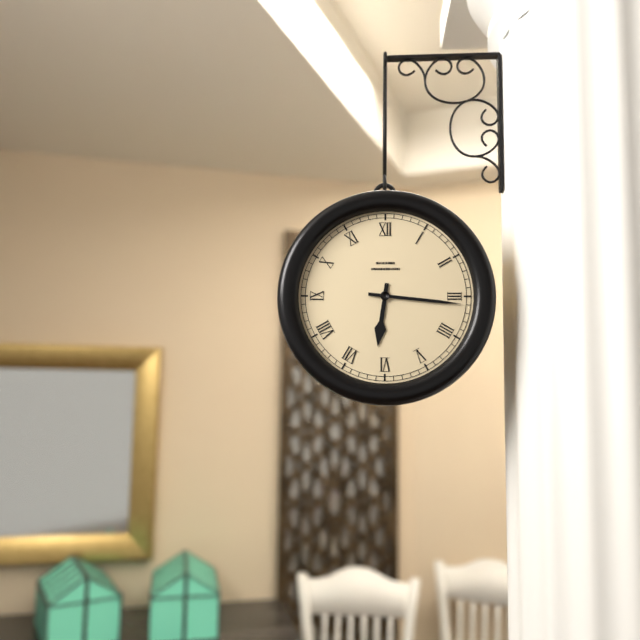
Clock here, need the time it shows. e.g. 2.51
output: 6.16
